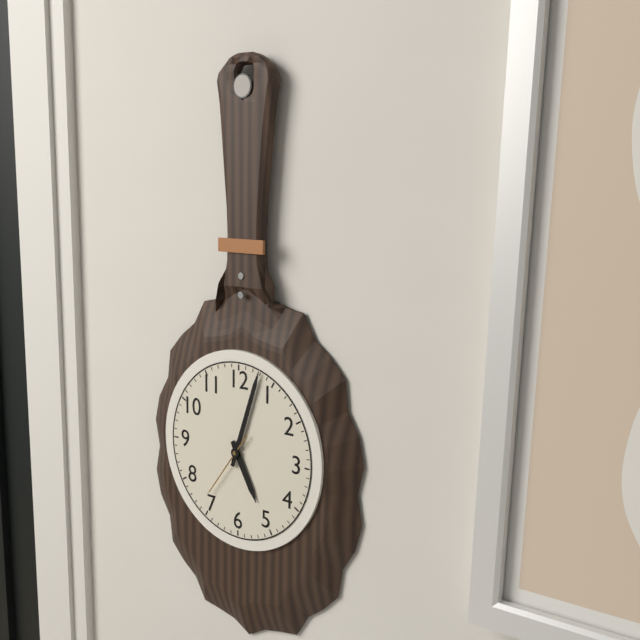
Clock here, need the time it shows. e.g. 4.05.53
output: 5.03.36
